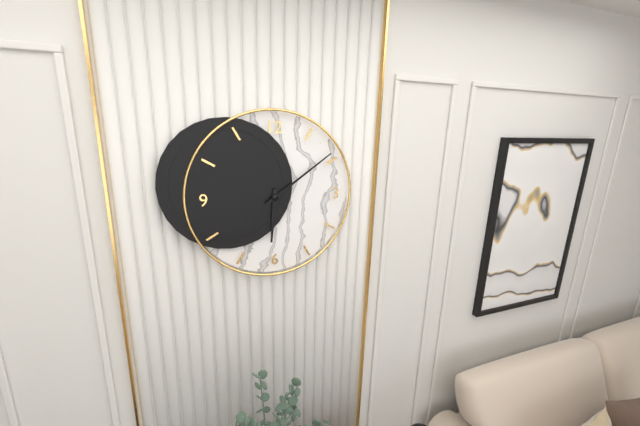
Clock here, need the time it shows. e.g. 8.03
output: 6.09
